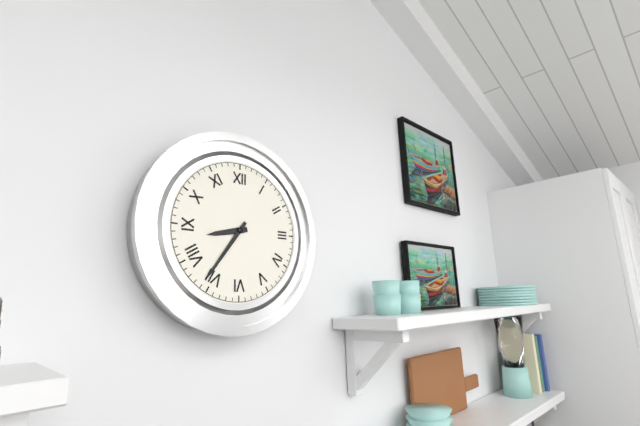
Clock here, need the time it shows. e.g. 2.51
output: 8.36
